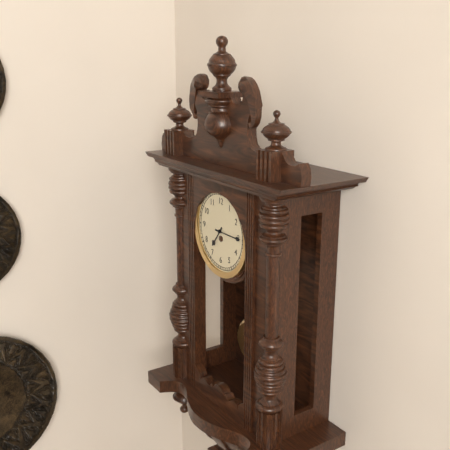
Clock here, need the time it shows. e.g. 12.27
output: 7.15
